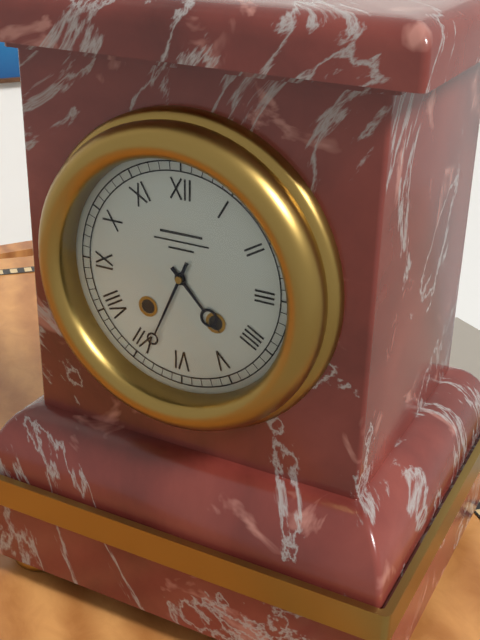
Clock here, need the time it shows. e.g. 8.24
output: 4.34
